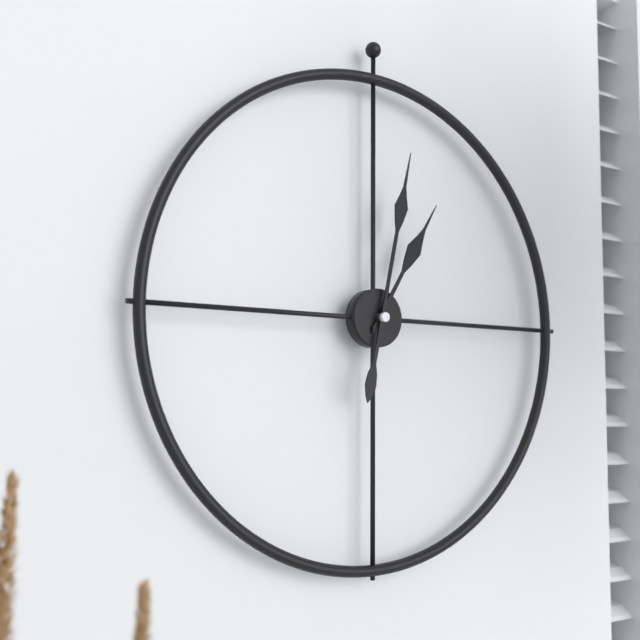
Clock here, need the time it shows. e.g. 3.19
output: 1.02
